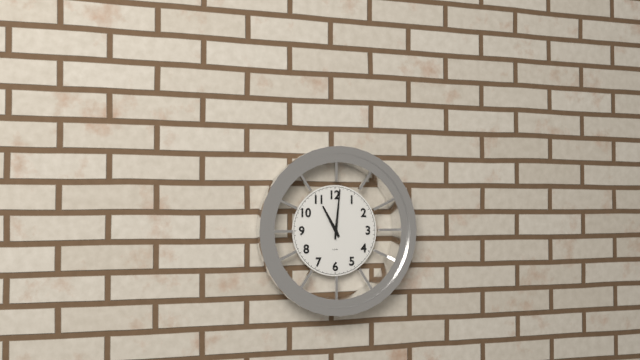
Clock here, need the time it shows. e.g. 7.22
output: 11.01
